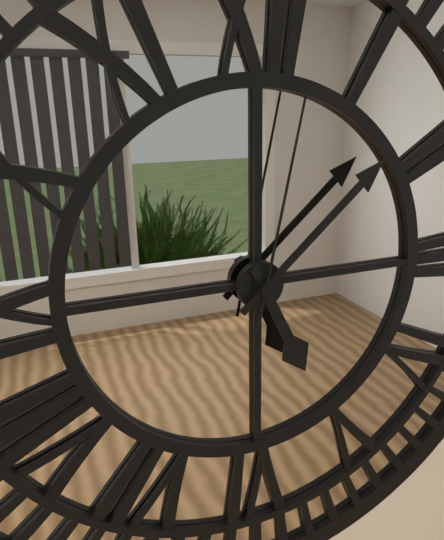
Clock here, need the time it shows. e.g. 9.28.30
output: 5.08.02
